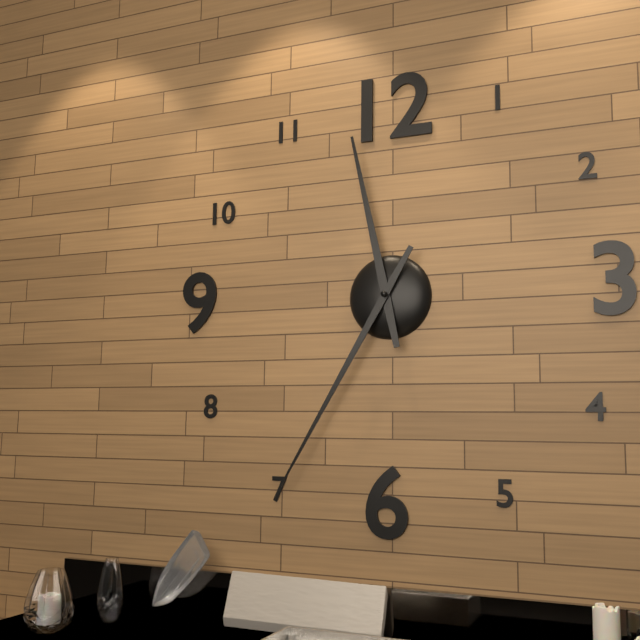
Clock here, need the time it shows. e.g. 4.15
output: 11.35
